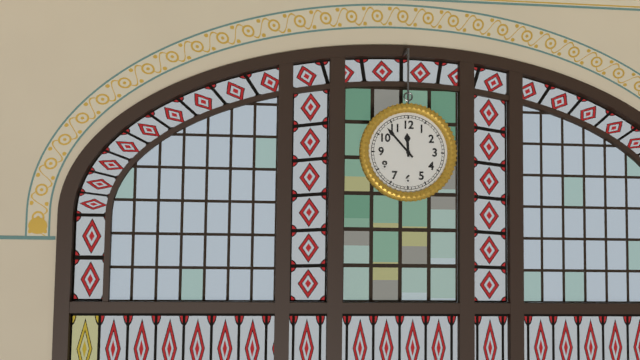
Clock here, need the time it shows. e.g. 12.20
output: 11.53
